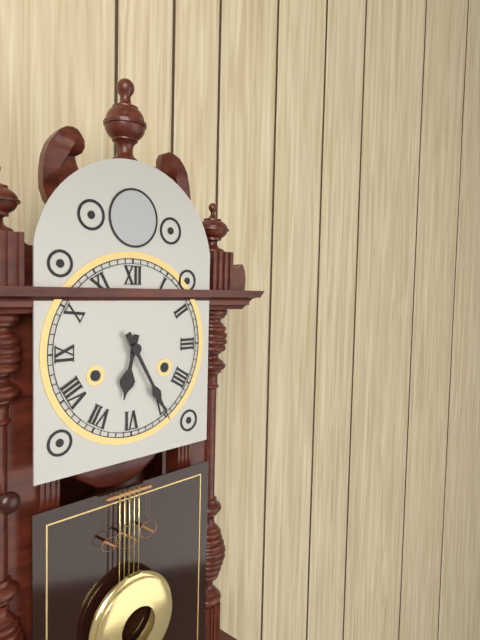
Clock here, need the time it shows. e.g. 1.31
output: 6.25
